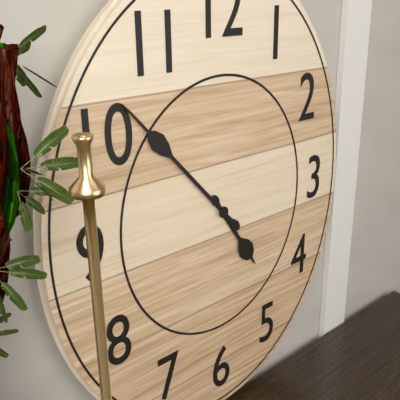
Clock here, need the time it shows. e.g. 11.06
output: 4.53
